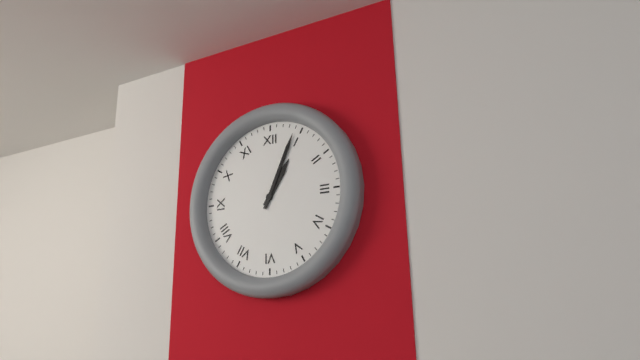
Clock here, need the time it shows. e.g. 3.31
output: 1.04
